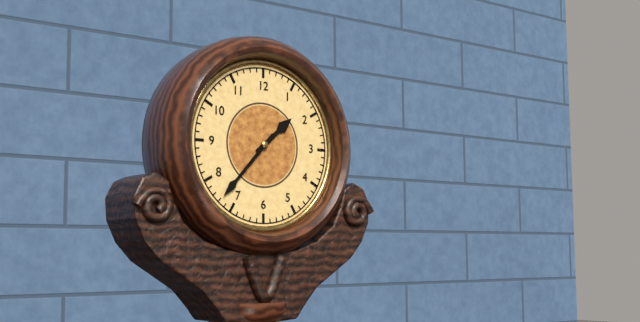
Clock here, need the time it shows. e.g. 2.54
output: 1.37
